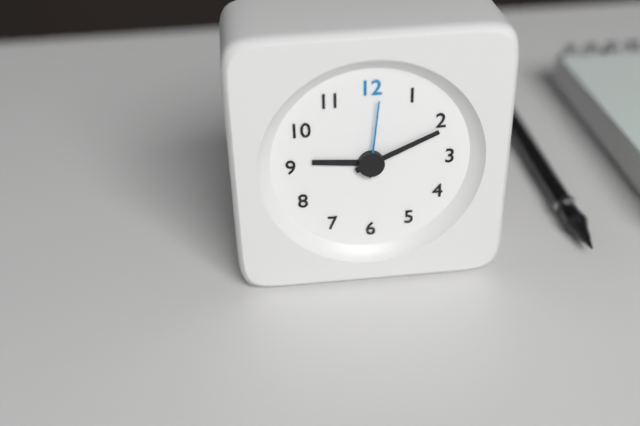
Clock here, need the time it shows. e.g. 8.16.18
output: 9.11.01
